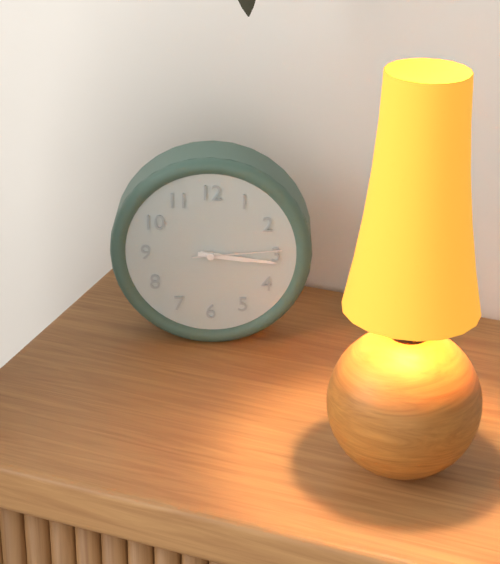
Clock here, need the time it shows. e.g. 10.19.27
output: 3.16.14
